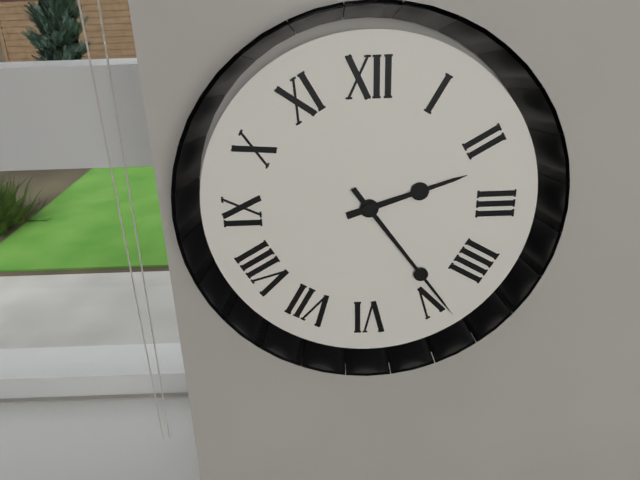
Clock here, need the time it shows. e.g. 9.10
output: 2.24
